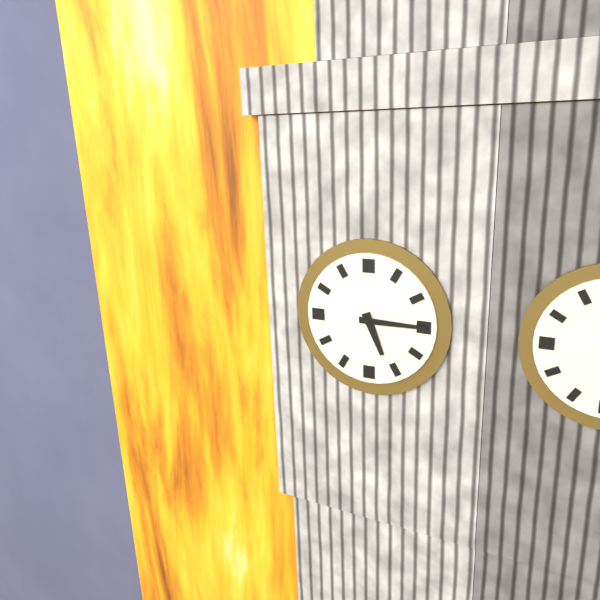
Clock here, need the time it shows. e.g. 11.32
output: 5.15
